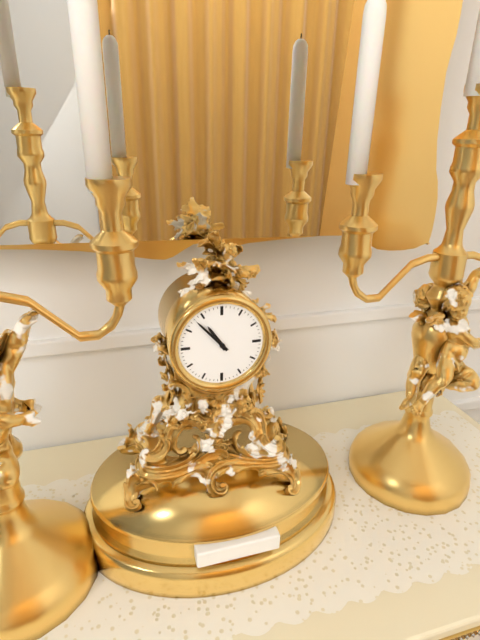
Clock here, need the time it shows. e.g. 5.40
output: 10.53
